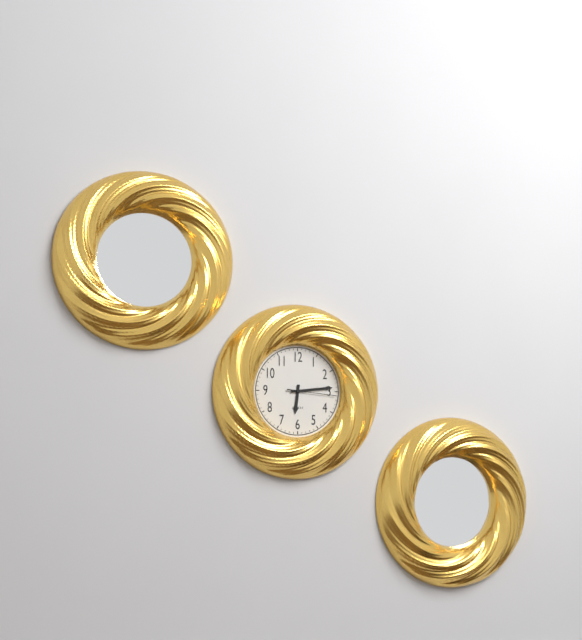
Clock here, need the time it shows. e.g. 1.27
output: 6.14
